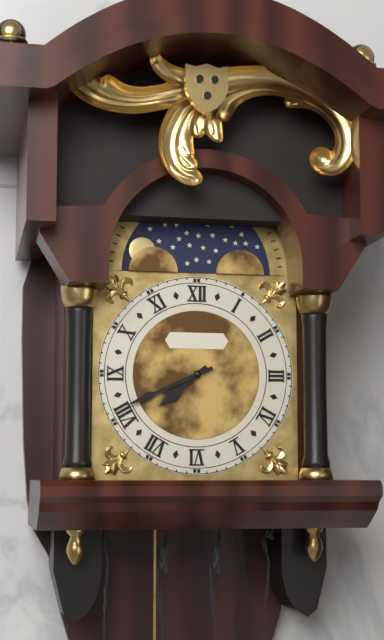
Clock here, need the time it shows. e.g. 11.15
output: 7.41
